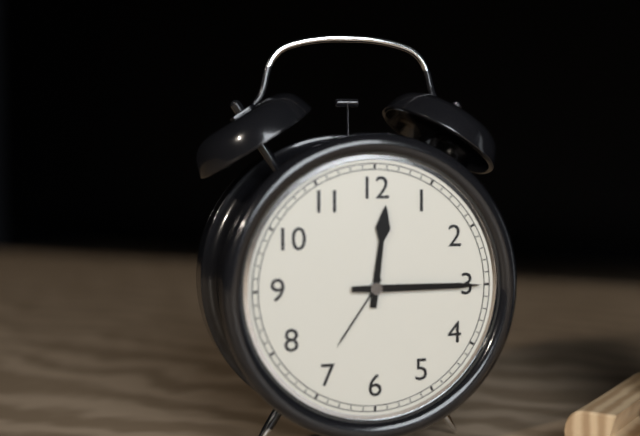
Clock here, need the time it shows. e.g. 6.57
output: 12.15
